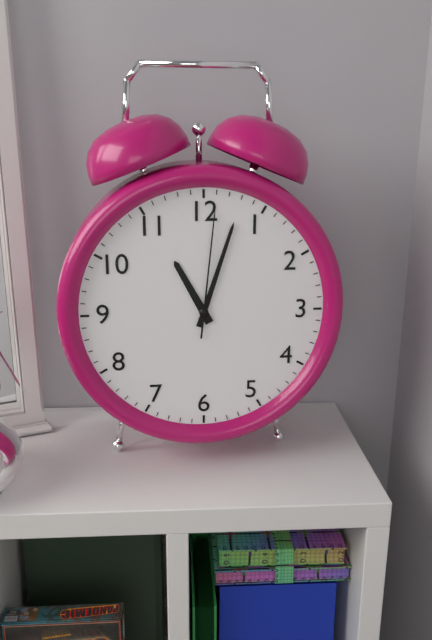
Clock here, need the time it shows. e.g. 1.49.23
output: 11.03.01
